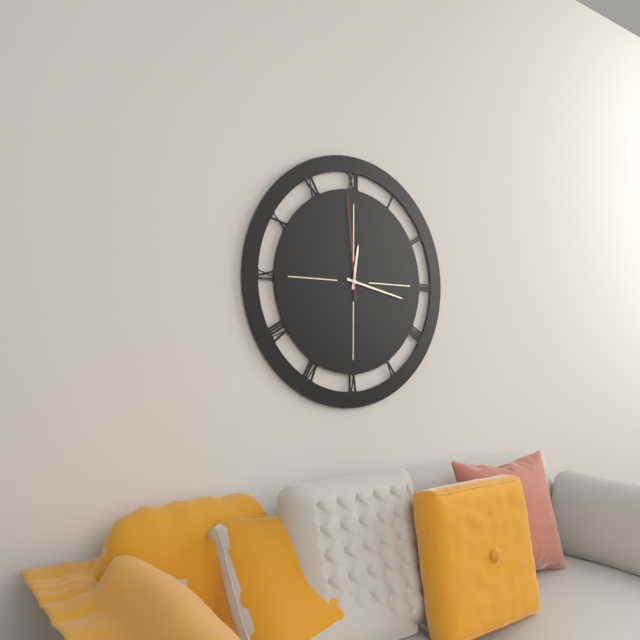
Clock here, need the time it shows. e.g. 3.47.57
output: 12.17.59
